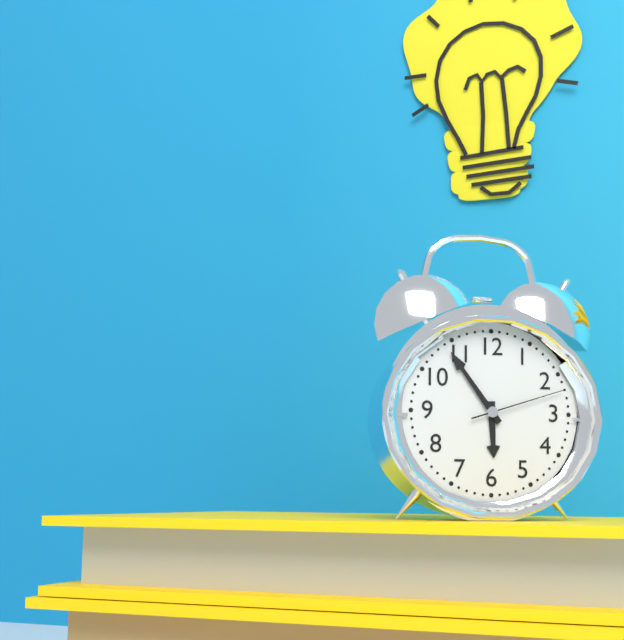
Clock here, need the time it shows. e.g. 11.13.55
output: 5.54.12
